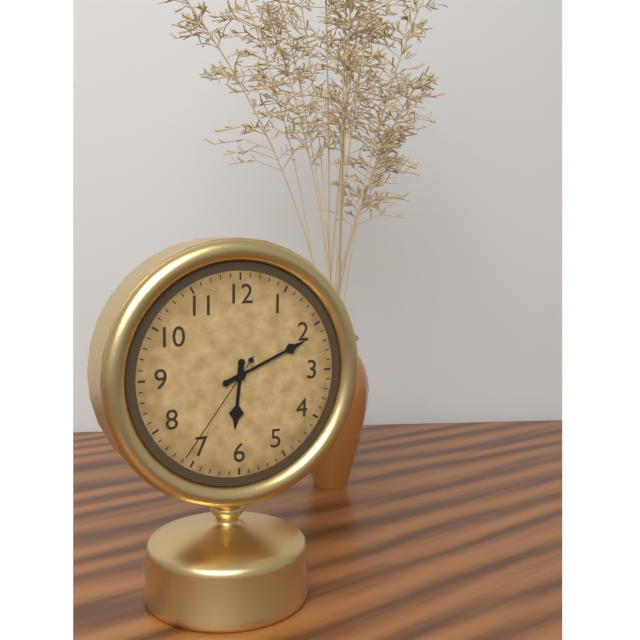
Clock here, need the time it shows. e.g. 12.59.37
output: 6.11.36
